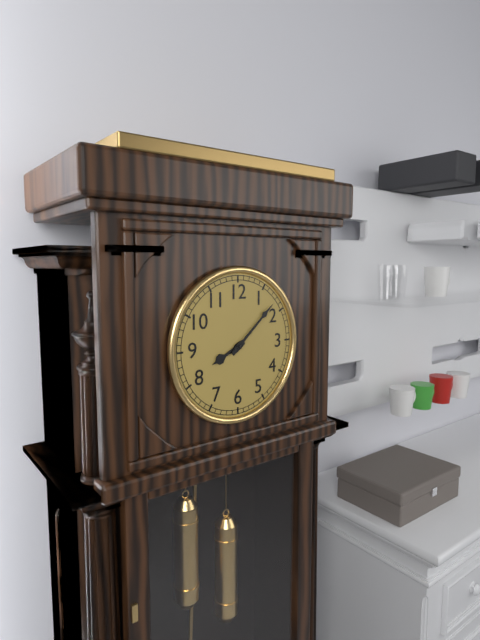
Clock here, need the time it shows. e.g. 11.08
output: 8.08
